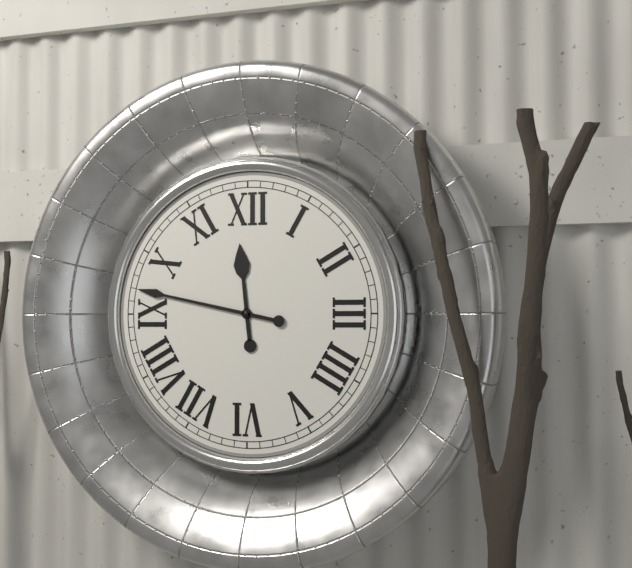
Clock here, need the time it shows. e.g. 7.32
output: 11.47
